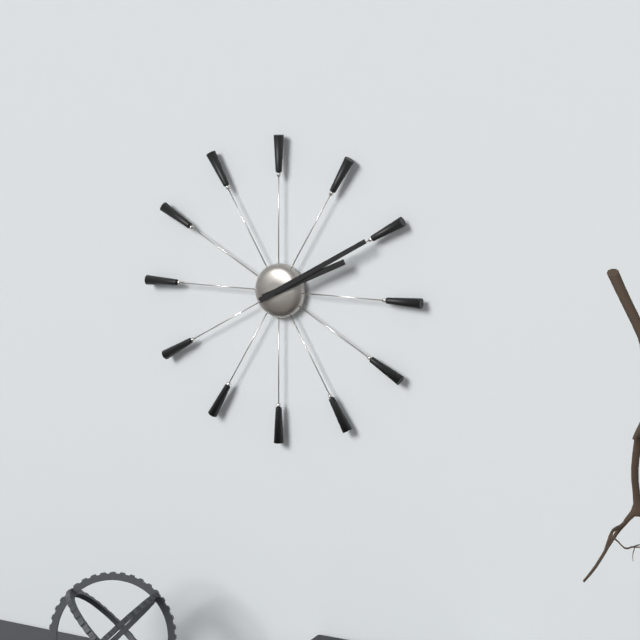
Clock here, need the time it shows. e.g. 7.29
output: 2.10
